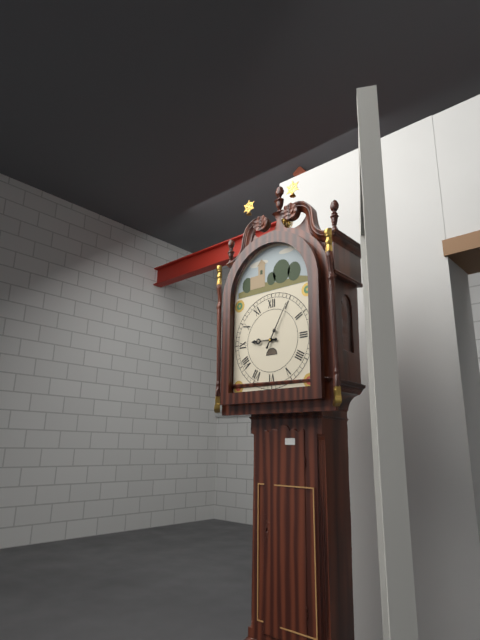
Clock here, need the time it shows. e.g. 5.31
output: 9.05
